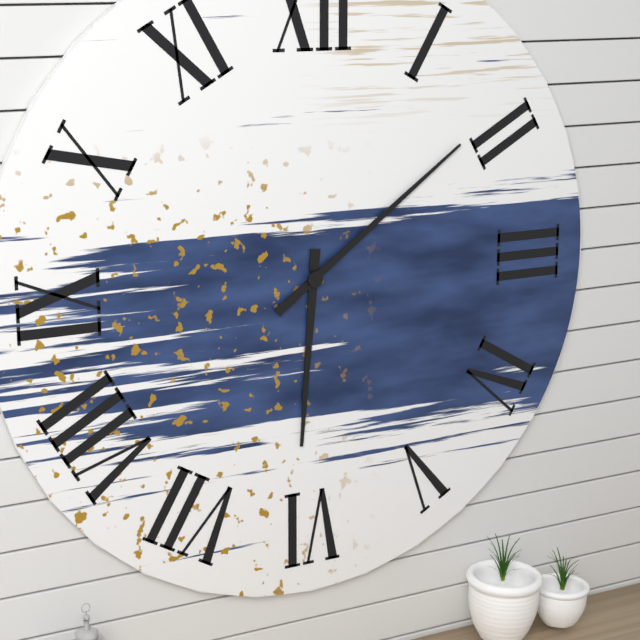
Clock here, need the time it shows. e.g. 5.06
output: 6.09
